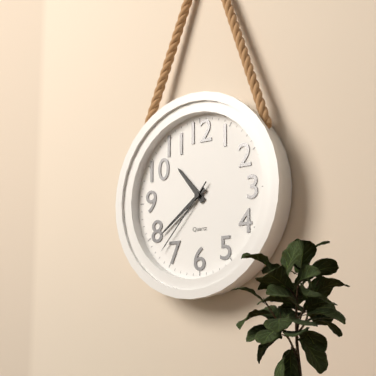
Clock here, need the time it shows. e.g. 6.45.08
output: 10.39.37
